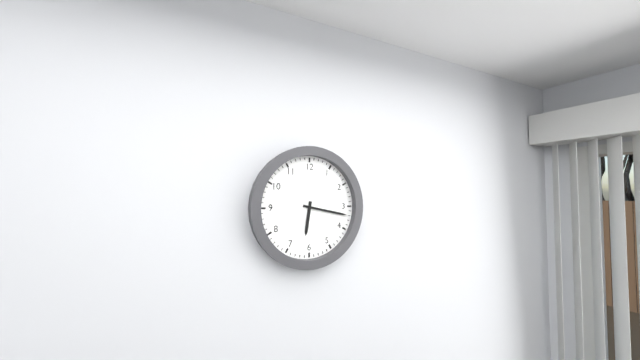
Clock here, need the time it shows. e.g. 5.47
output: 6.17
